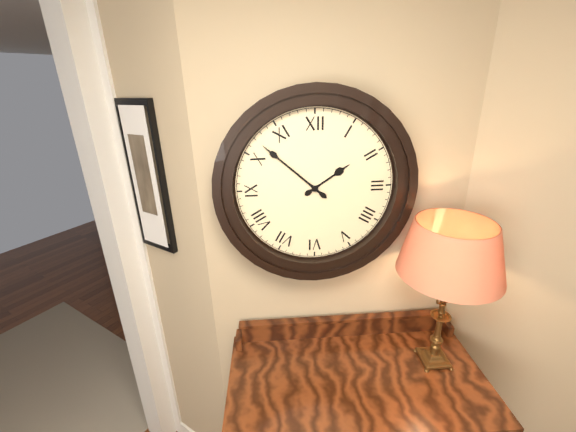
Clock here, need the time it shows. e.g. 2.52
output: 1.52
